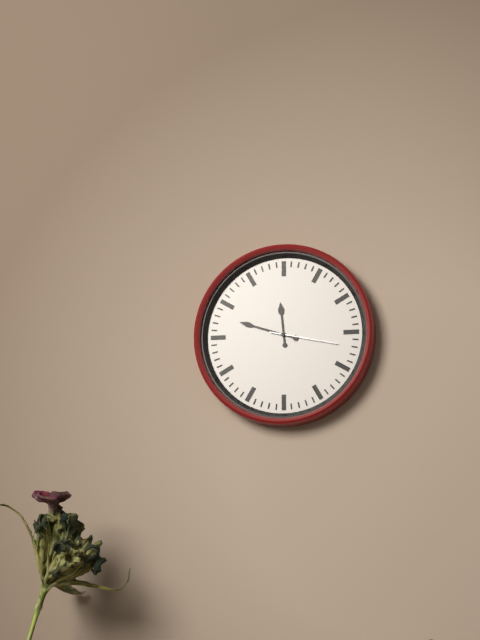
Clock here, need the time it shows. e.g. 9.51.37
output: 11.48.17
